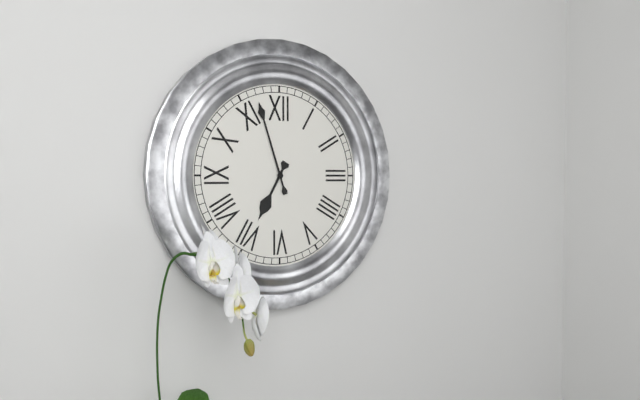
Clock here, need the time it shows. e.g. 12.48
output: 6.57
